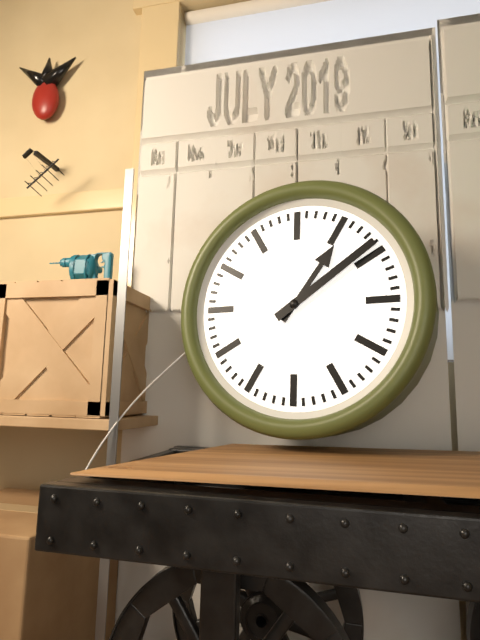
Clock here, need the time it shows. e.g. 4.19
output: 1.09
